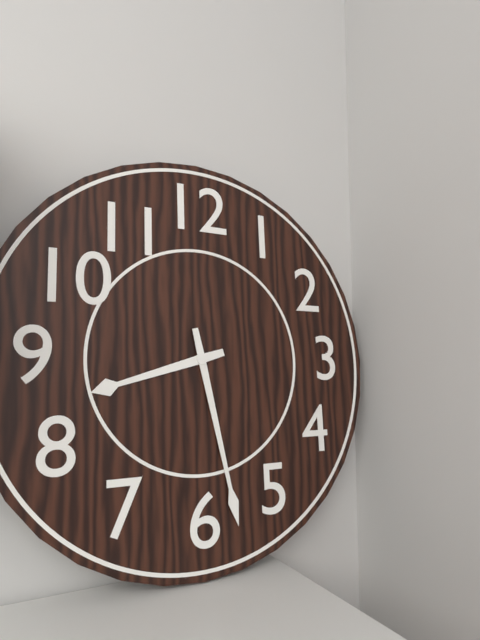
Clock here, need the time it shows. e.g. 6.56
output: 8.28
